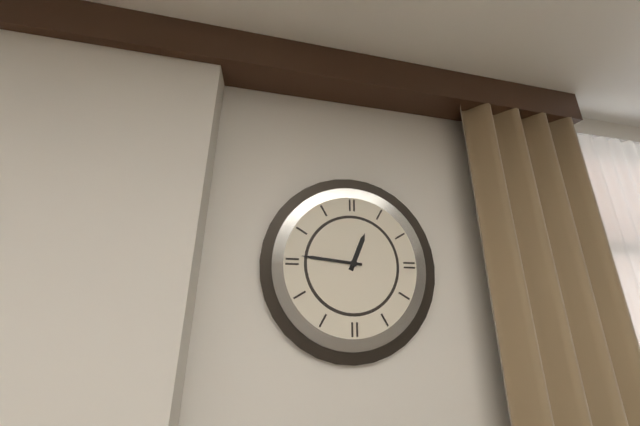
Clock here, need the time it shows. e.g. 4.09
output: 12.46
